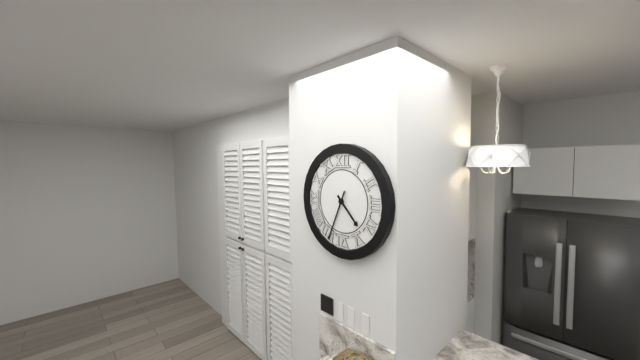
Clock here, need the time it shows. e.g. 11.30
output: 4.34
